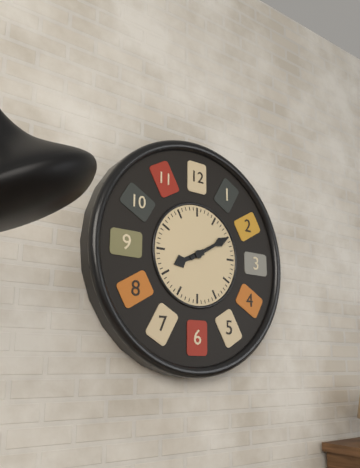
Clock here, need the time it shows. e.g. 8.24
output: 8.10
